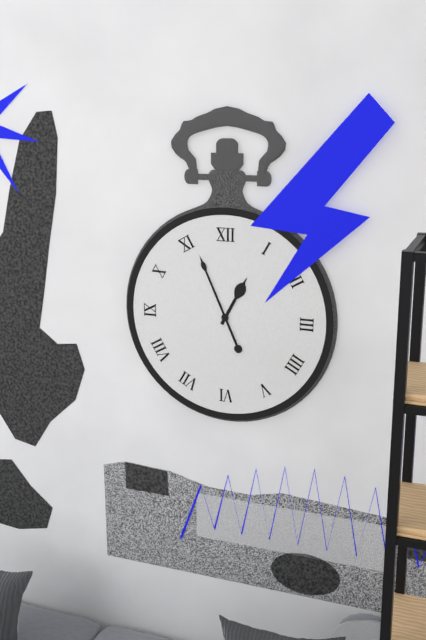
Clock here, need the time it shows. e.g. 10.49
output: 12.56
